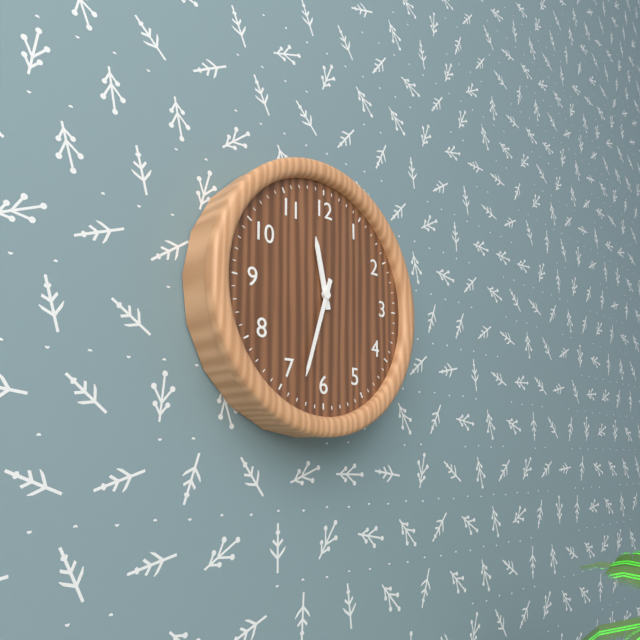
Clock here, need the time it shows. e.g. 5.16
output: 11.33
